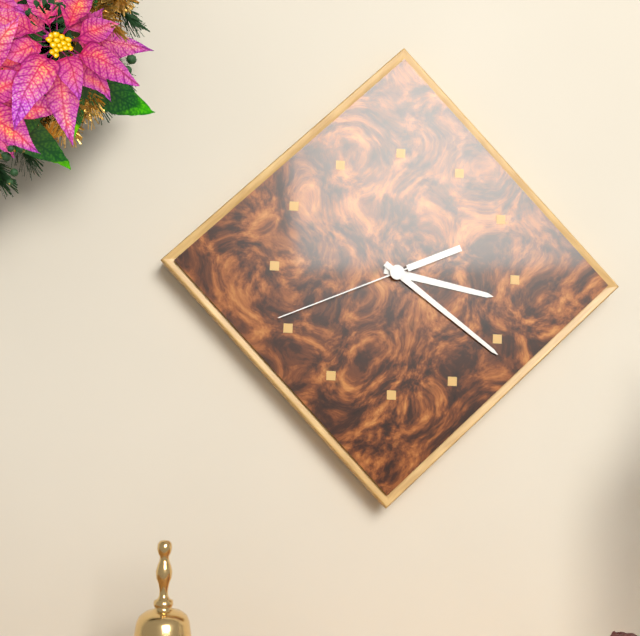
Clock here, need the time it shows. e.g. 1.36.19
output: 3.21.41
